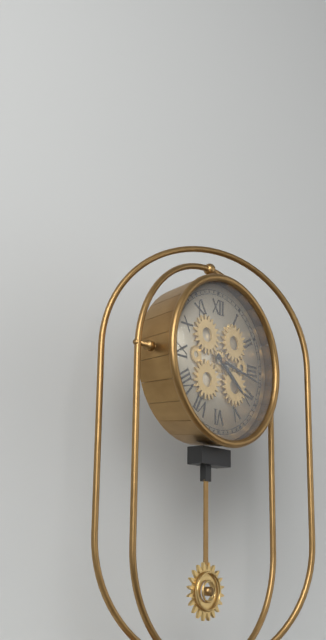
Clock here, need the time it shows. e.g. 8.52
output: 4.17
